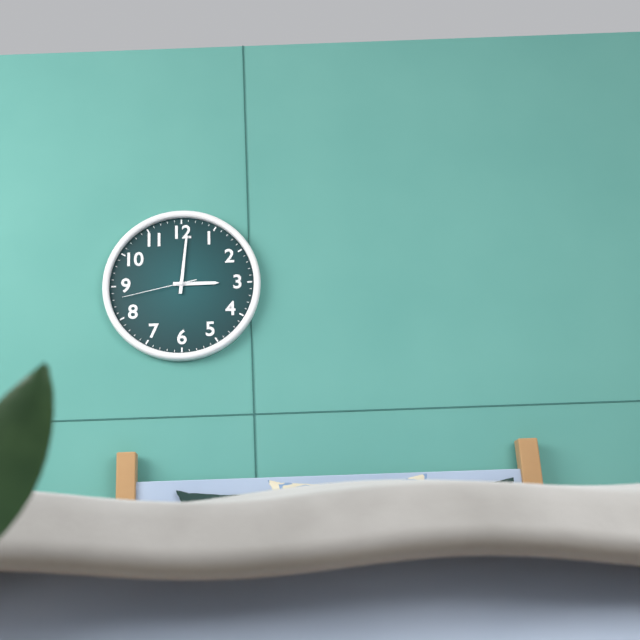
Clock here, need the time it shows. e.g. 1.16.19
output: 3.01.43
